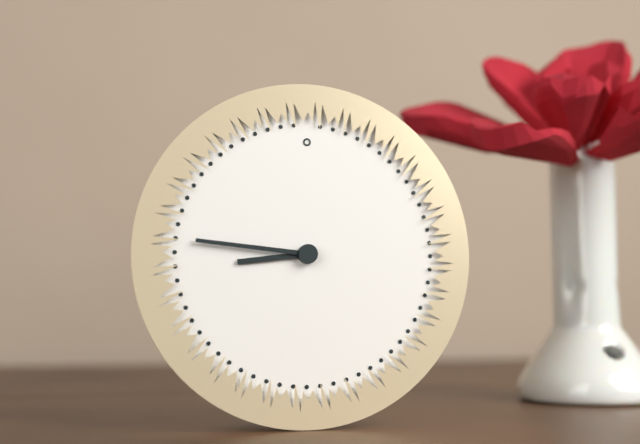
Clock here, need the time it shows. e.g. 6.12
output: 8.46
